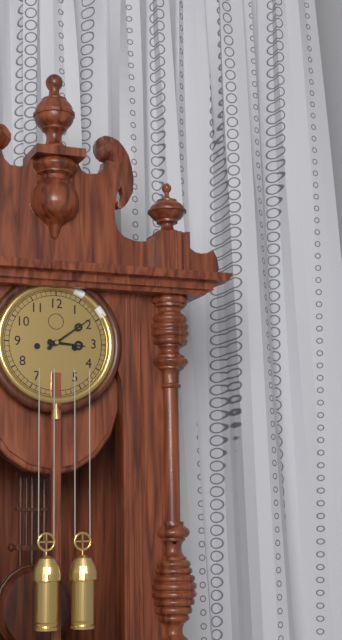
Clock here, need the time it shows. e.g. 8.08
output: 3.09
